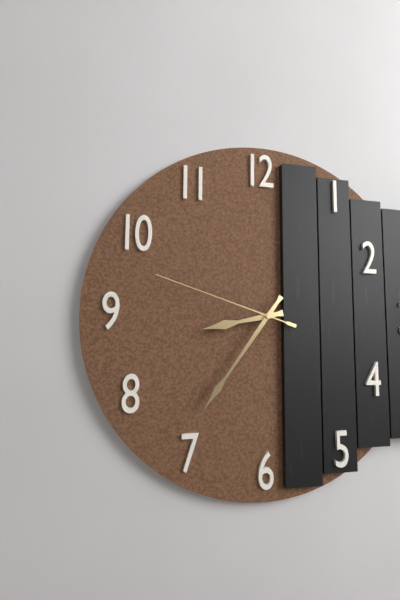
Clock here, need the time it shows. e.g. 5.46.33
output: 8.36.48
